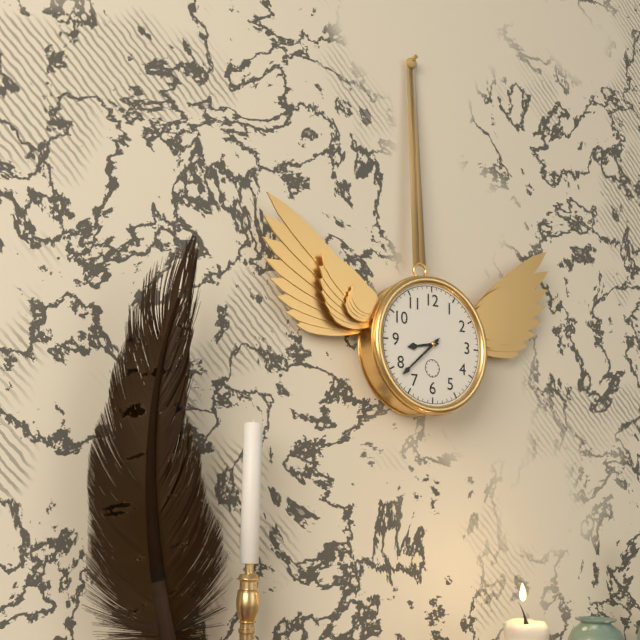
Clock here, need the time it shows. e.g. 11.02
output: 8.38
